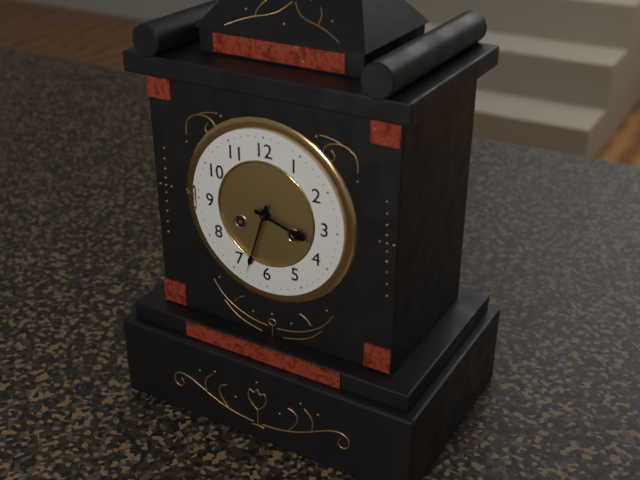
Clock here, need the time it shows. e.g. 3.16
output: 3.33
